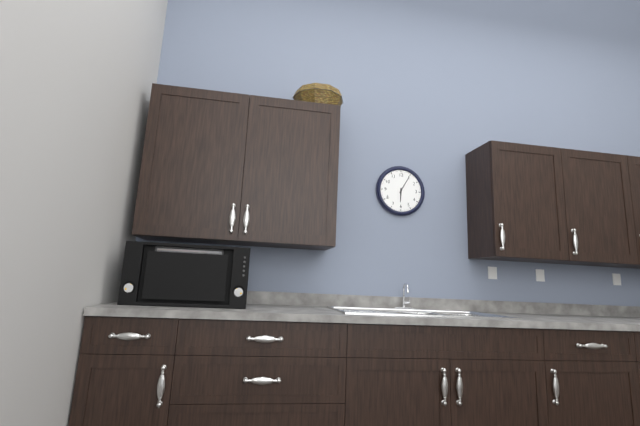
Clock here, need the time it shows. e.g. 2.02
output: 6.05
